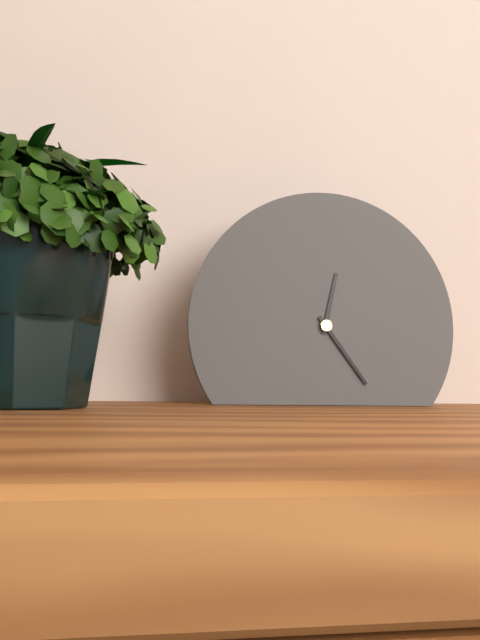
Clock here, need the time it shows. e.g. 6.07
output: 12.24
